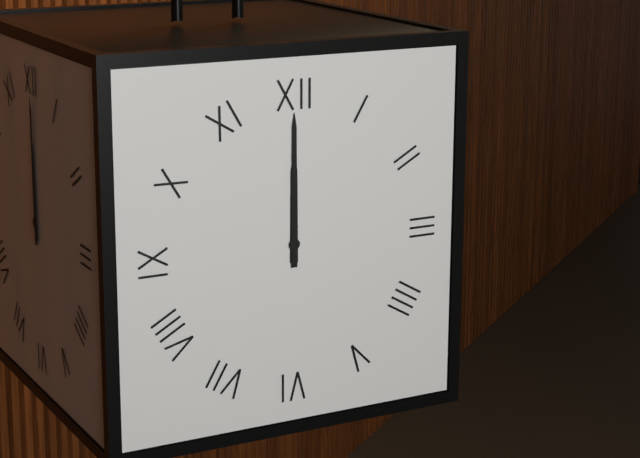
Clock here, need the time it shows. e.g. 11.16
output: 12.00
